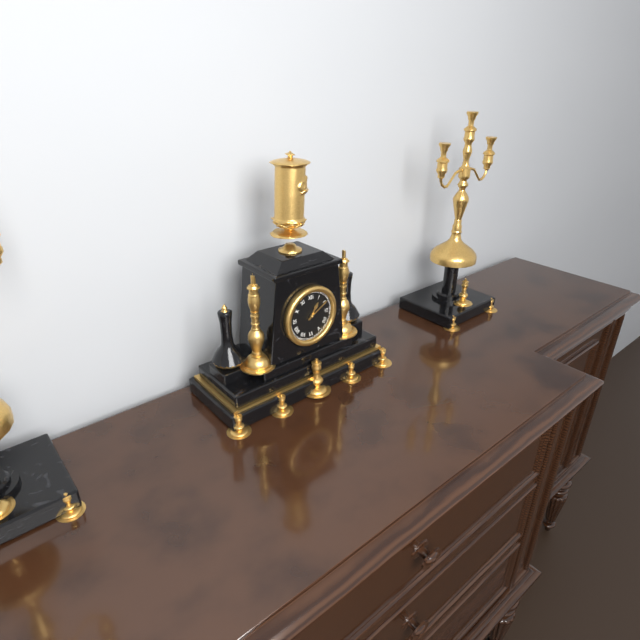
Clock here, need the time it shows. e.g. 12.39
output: 1.10
